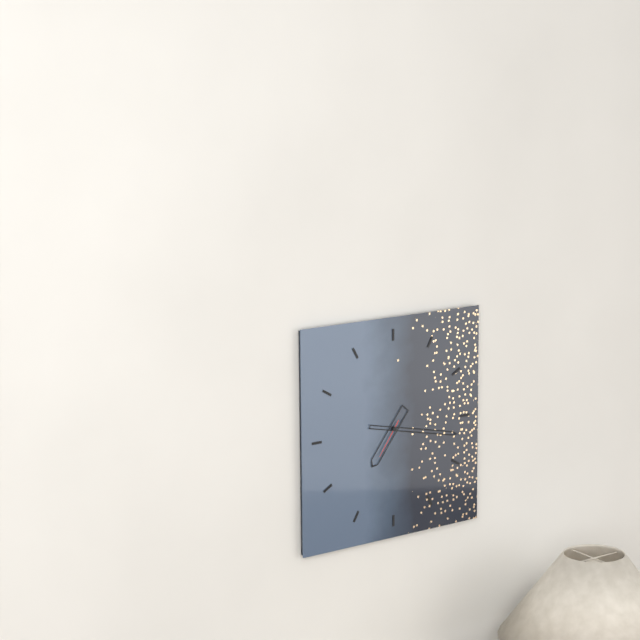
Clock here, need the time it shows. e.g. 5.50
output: 7.17
